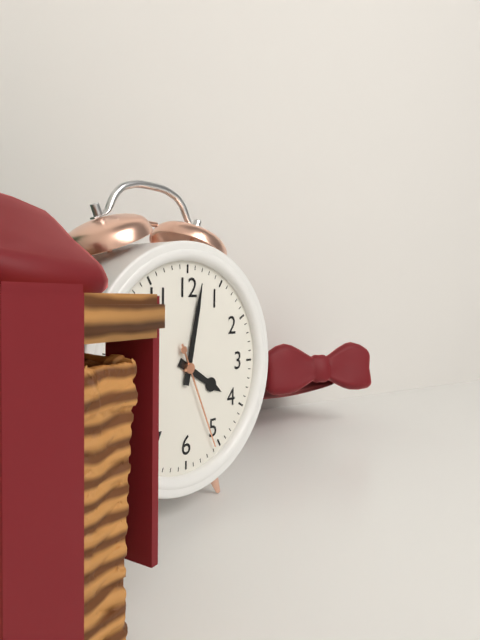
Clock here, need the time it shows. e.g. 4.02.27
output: 4.02.26
